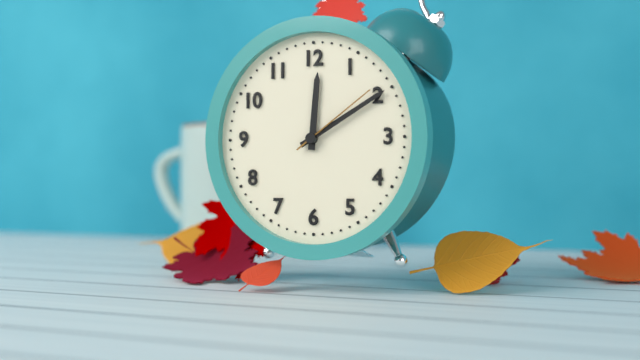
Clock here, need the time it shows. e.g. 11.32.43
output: 12.10.09
